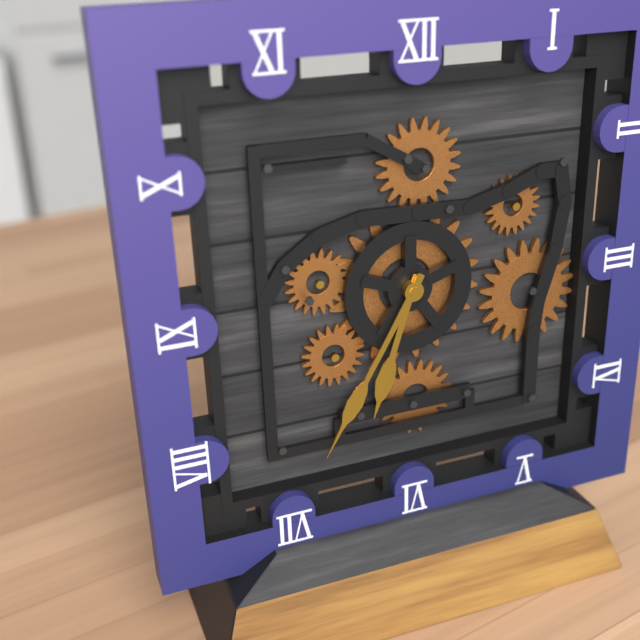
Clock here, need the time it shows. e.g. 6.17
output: 6.35
